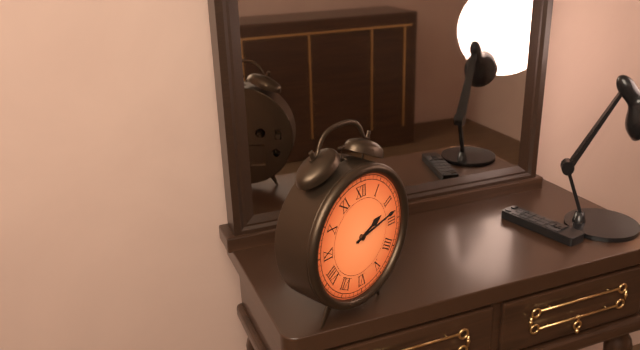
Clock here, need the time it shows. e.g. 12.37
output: 2.13
